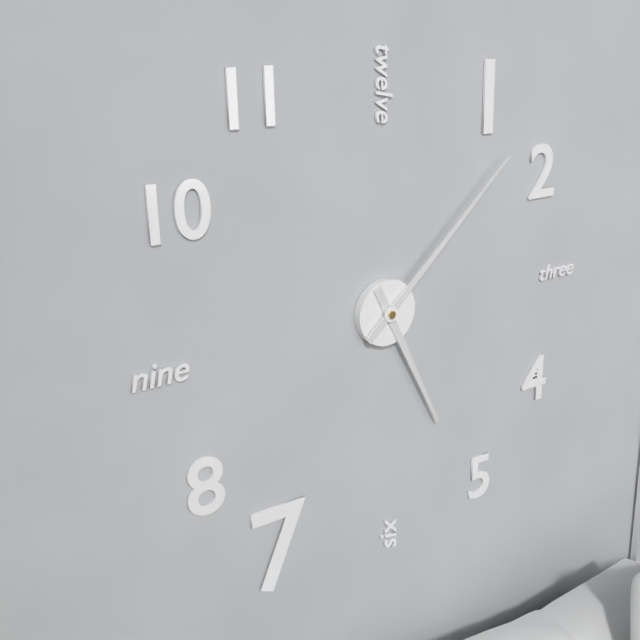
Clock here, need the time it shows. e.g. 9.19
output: 5.08
